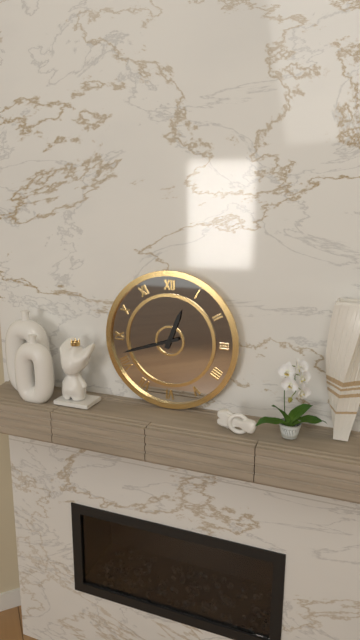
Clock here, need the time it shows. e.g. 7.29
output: 12.42
